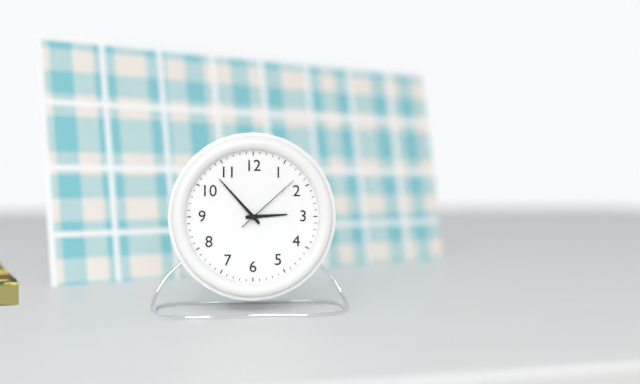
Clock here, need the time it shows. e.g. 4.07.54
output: 2.53.08
